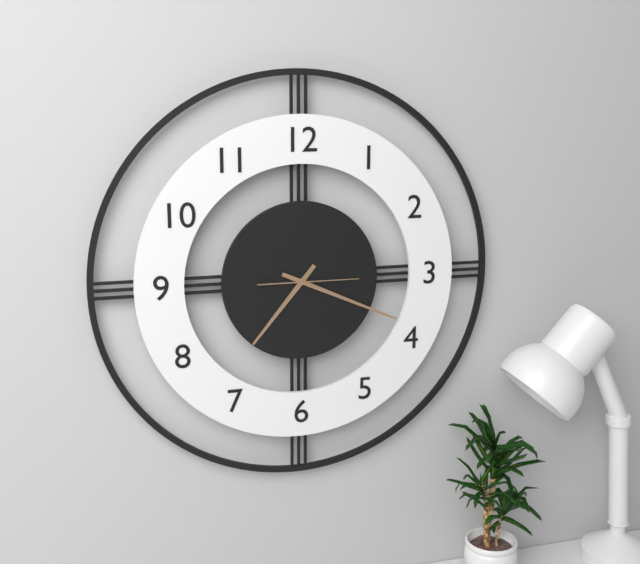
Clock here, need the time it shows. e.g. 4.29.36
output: 7.19.15
